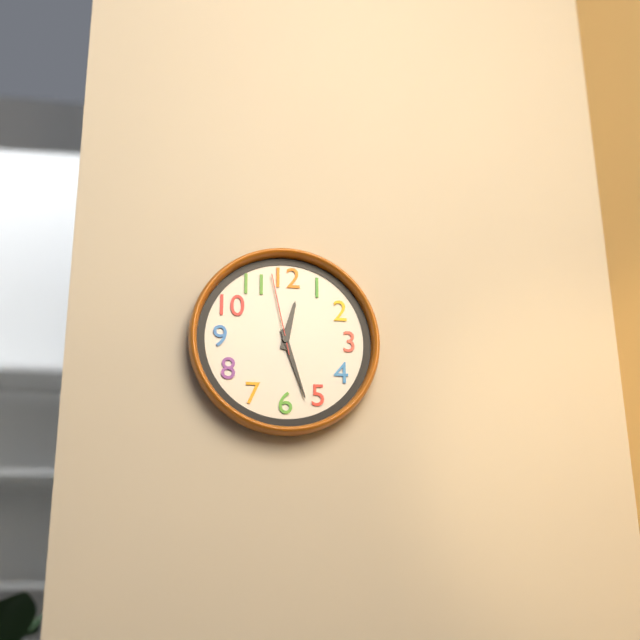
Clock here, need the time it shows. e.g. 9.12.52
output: 12.27.58
